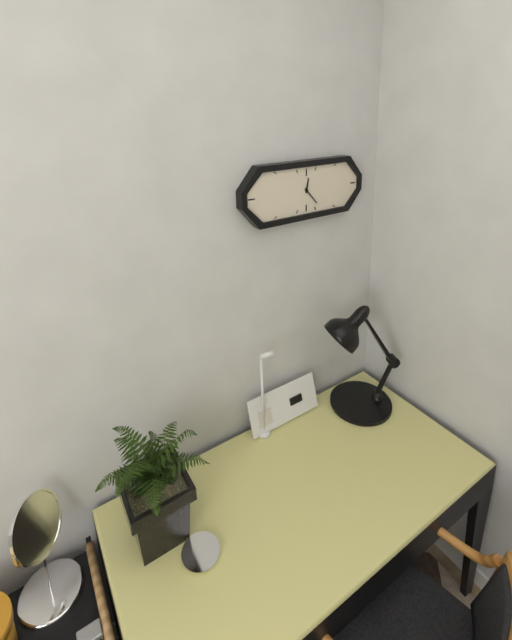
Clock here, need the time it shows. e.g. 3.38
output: 12.23
